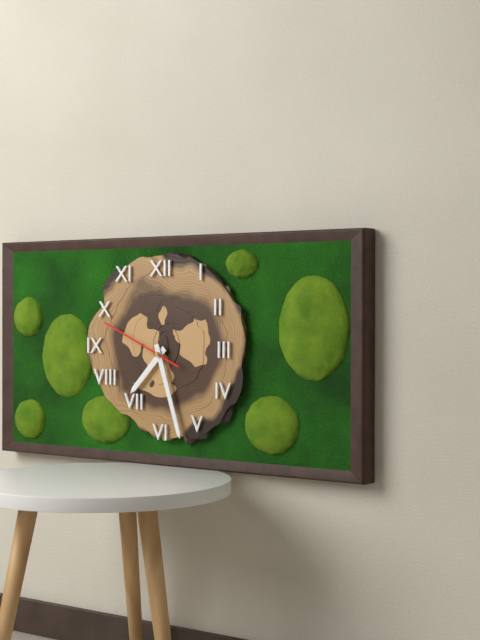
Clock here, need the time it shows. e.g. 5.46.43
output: 7.27.49
